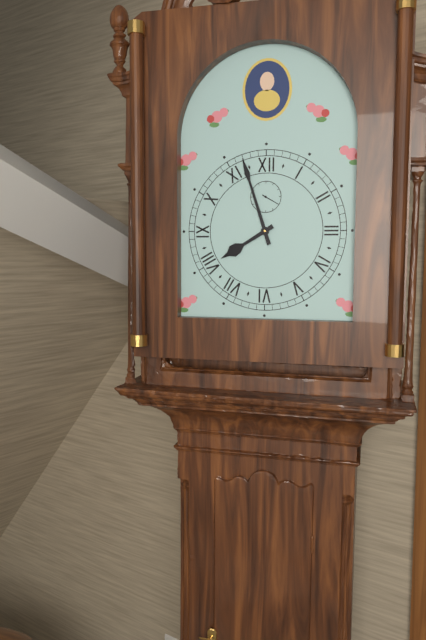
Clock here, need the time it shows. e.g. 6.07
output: 7.57
